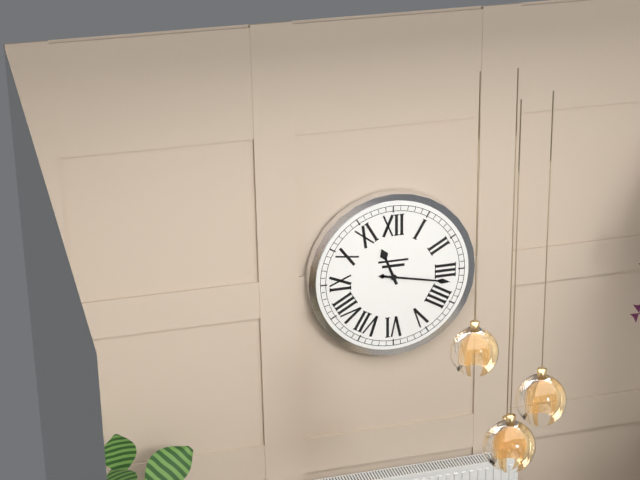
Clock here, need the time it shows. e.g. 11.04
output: 11.17
